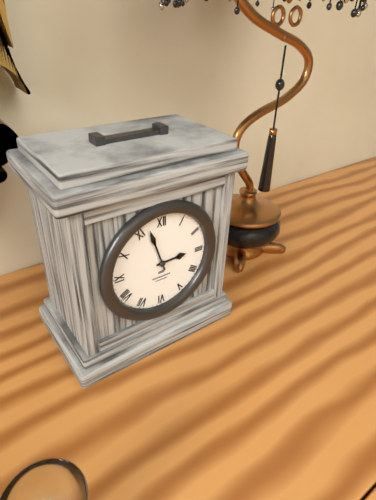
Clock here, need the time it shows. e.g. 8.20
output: 2.57
